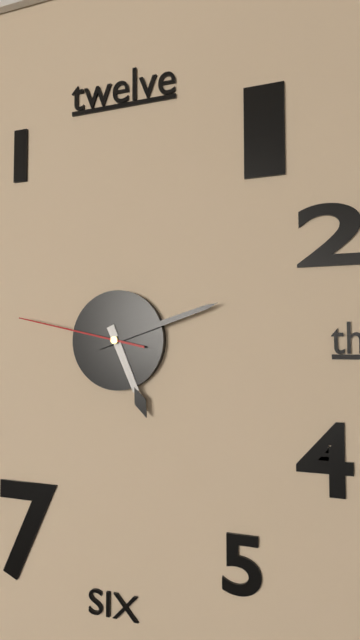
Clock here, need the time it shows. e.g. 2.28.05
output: 5.12.47
